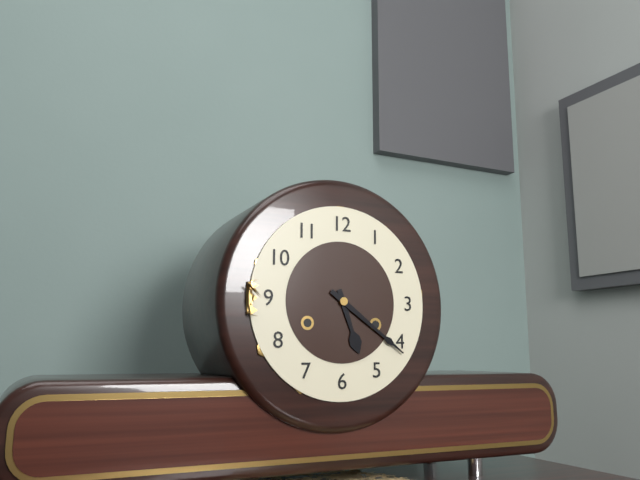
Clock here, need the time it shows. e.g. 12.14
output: 5.21
